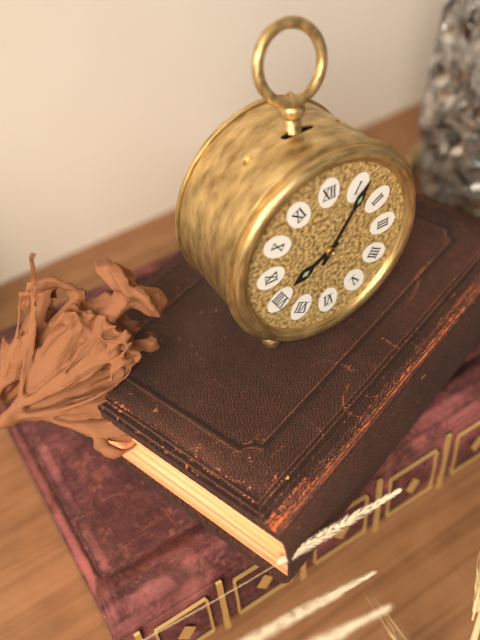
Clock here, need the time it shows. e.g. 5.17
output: 8.06
